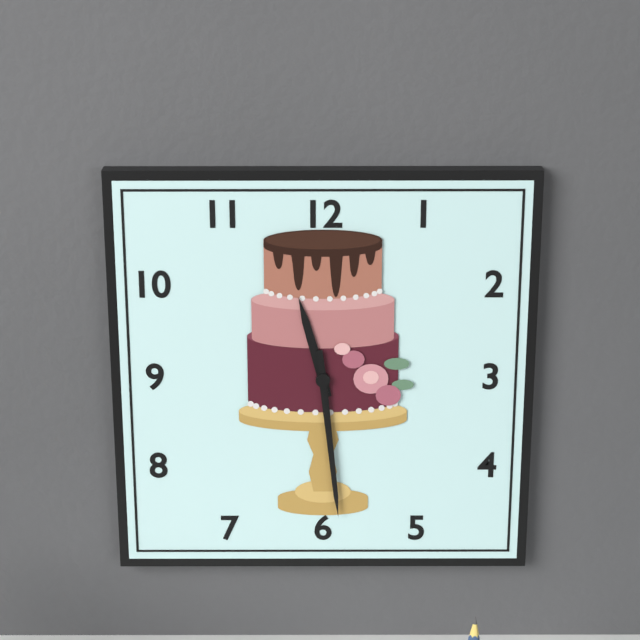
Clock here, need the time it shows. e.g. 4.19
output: 11.29
